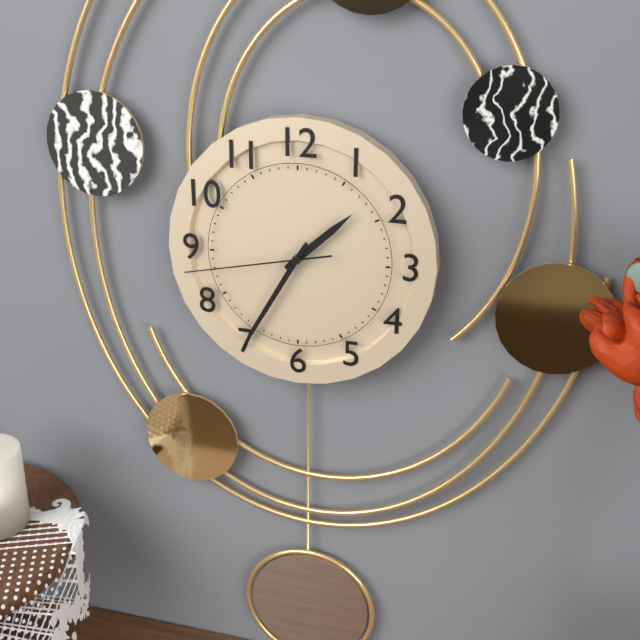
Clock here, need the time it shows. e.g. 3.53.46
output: 1.35.43
